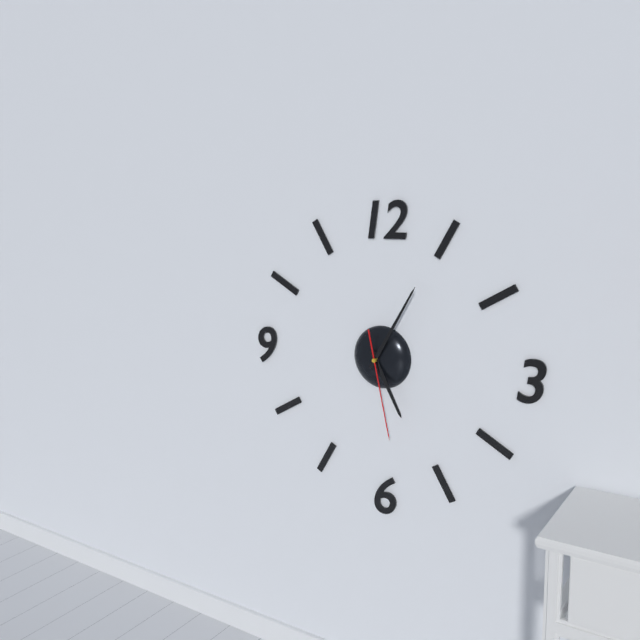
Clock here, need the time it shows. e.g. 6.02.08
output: 5.05.28
